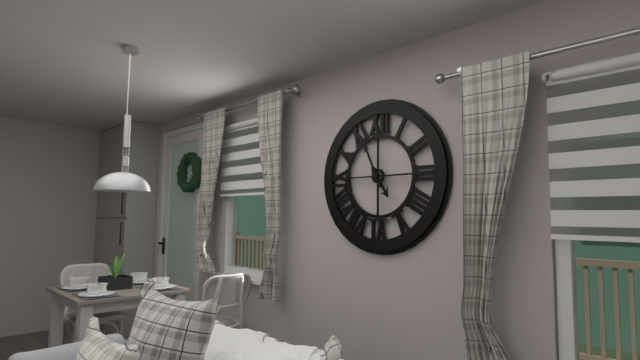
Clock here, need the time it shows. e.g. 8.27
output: 4.56
